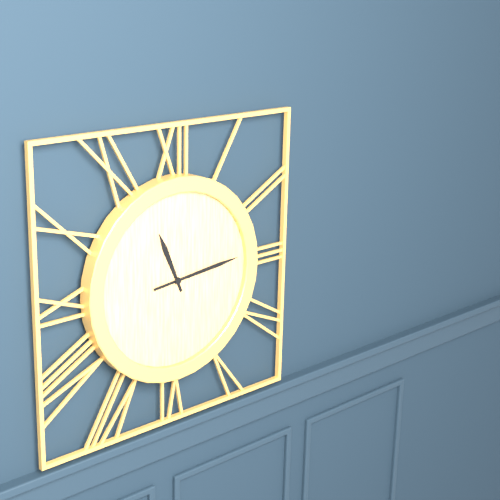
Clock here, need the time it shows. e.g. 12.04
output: 11.14
